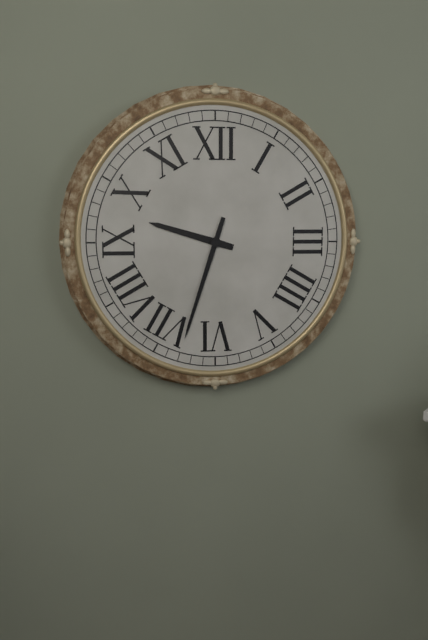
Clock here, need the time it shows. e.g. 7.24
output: 9.33
